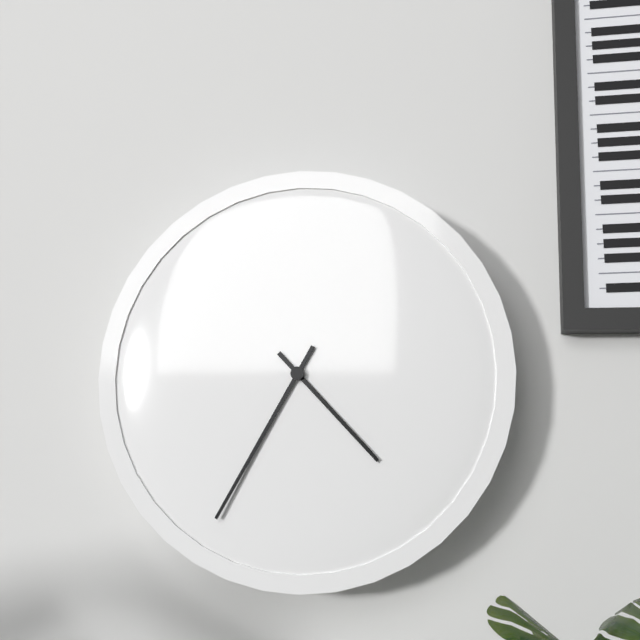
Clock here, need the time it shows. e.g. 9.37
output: 4.35
